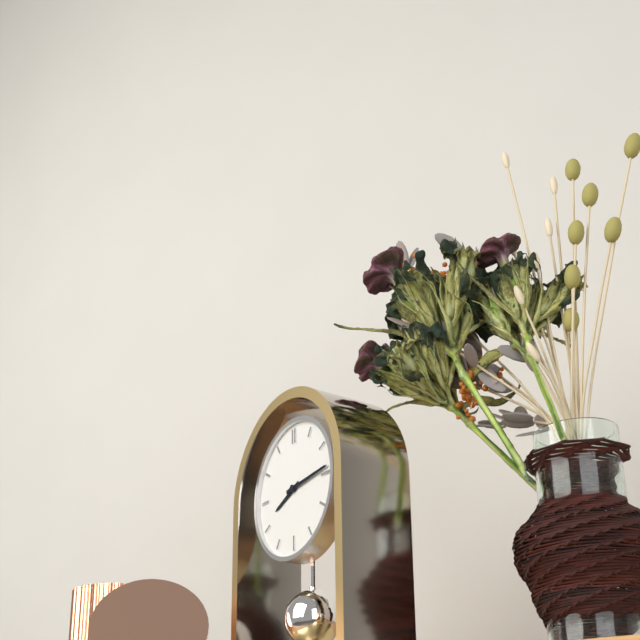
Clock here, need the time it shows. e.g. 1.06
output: 8.14
